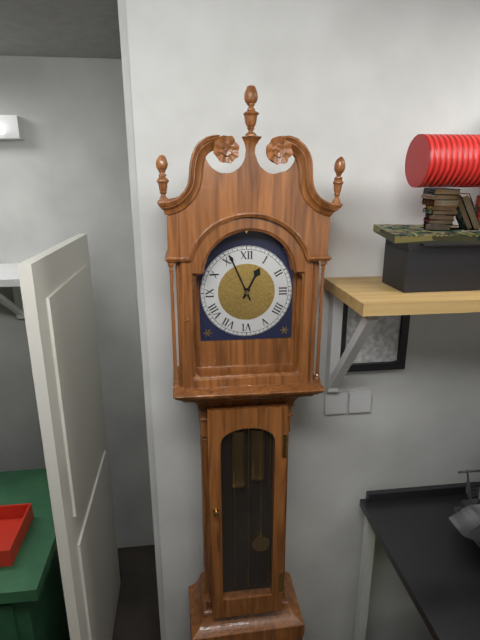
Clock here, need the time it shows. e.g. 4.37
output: 12.56
